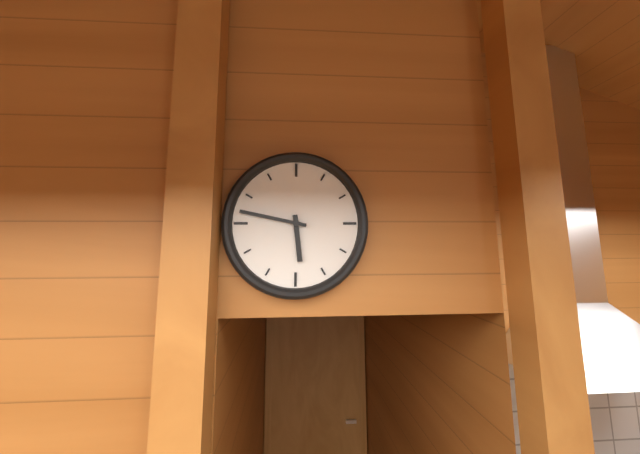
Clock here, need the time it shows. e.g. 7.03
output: 5.47
